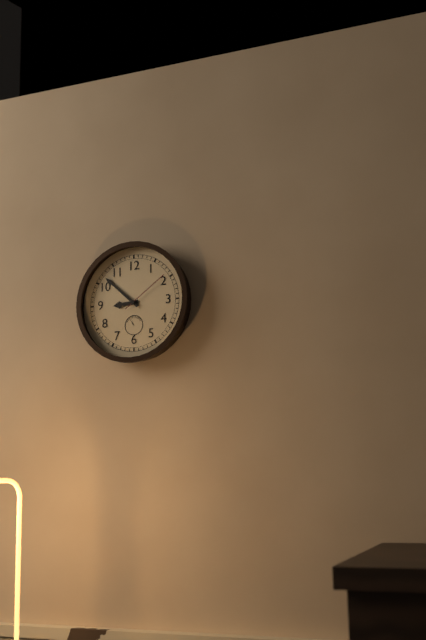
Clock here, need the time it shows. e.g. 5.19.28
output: 8.52.09
